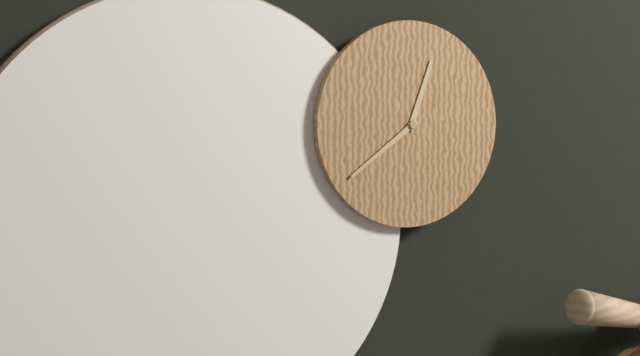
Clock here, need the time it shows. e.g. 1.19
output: 12.39
